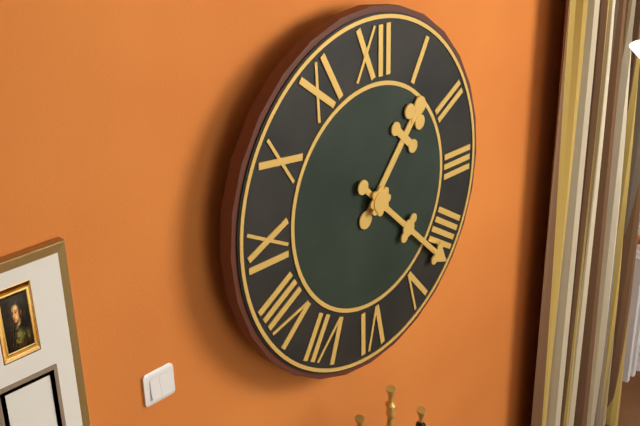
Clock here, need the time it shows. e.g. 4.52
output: 1.22
